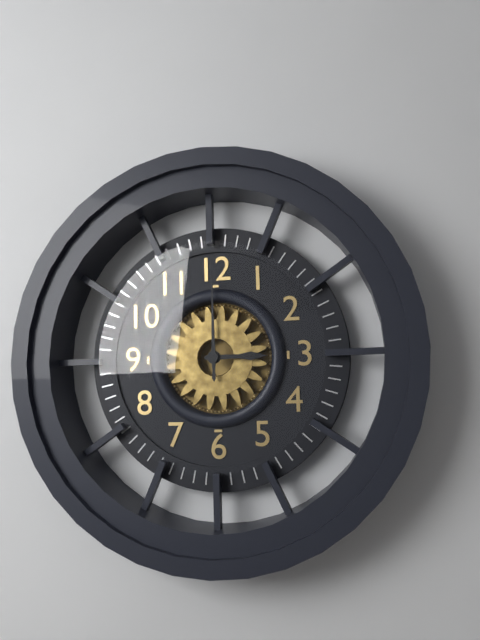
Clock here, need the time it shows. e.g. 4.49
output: 3.00
